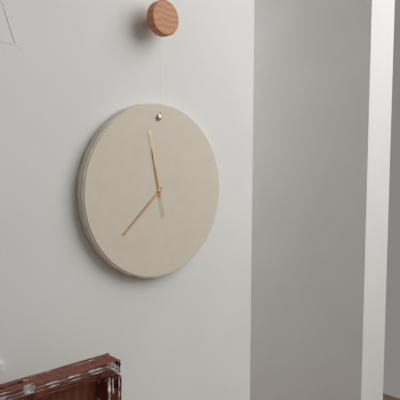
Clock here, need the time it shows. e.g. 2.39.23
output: 11.38.58
